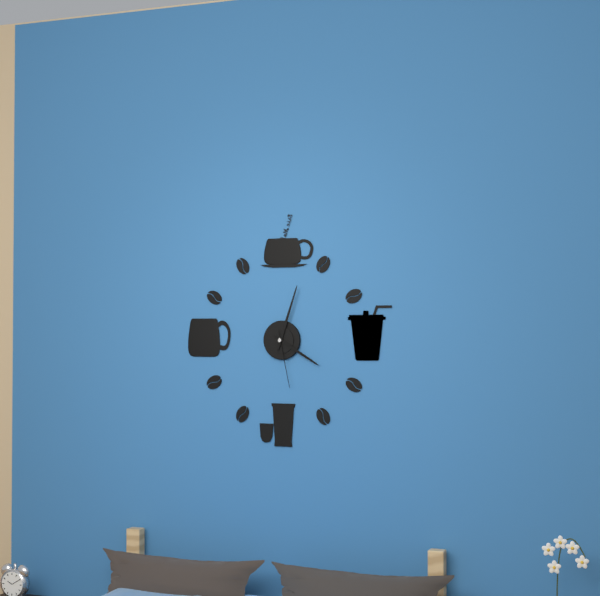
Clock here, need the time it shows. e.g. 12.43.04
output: 4.03.28
